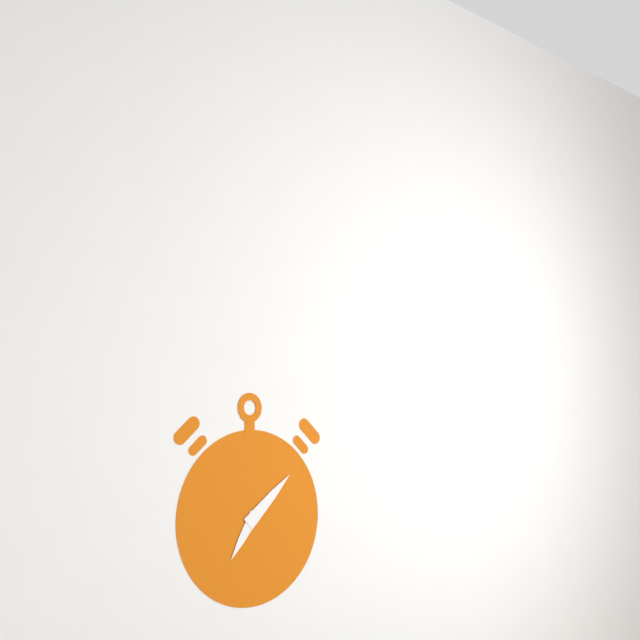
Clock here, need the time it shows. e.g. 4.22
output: 7.08
